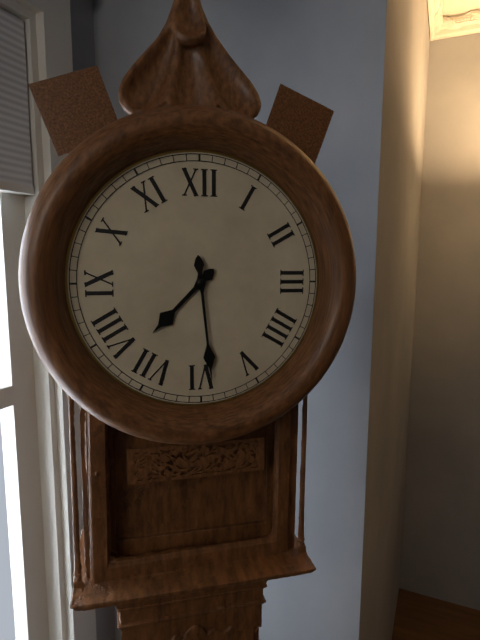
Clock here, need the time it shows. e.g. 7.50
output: 7.29
